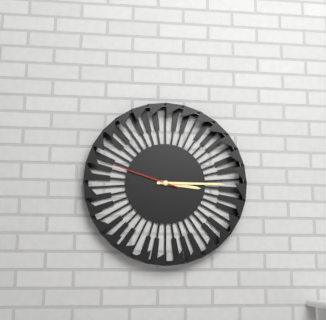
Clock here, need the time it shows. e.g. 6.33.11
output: 3.15.48
